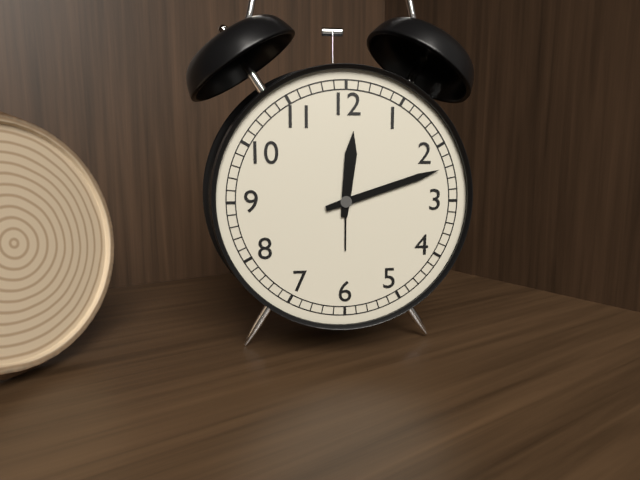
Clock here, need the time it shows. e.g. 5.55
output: 12.12
